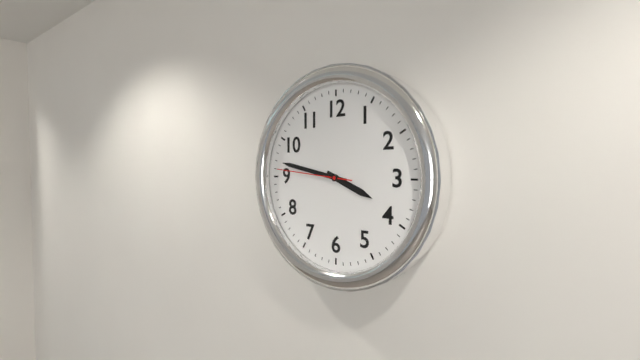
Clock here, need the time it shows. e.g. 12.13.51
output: 3.47.46
